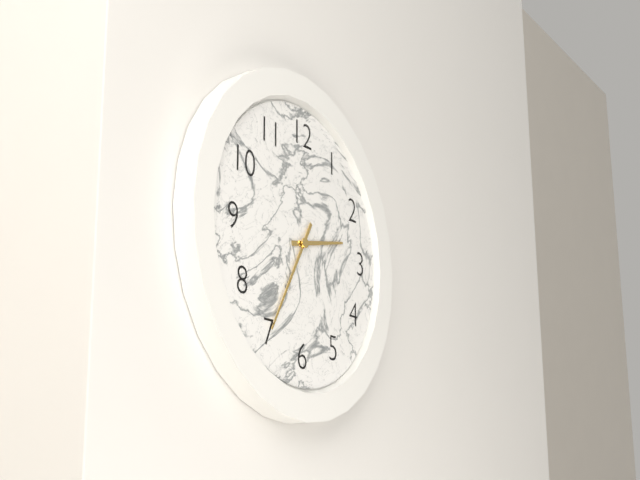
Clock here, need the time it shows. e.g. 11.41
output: 2.35
